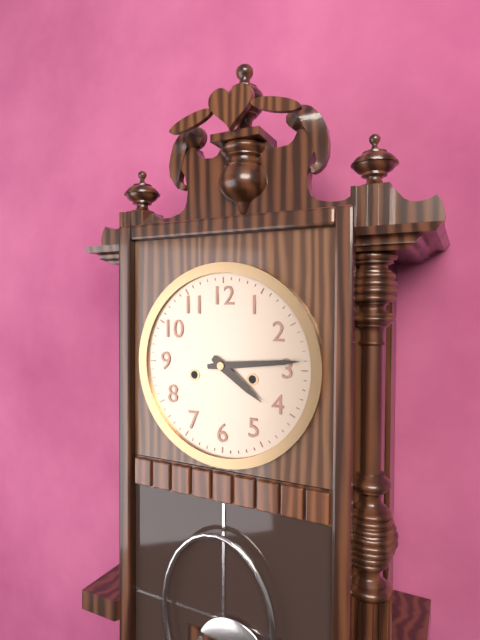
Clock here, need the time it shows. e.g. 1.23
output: 4.14
